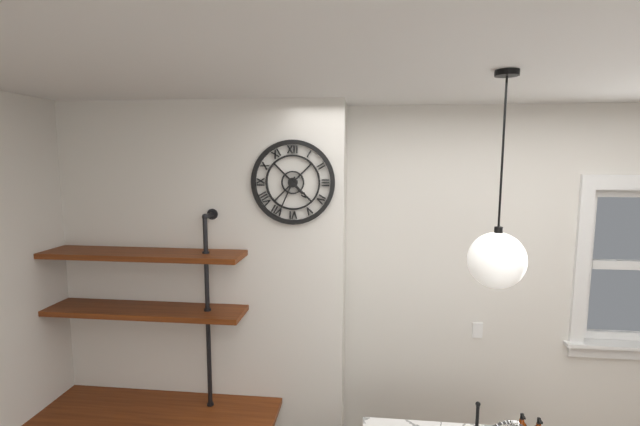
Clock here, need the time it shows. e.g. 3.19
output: 4.34
